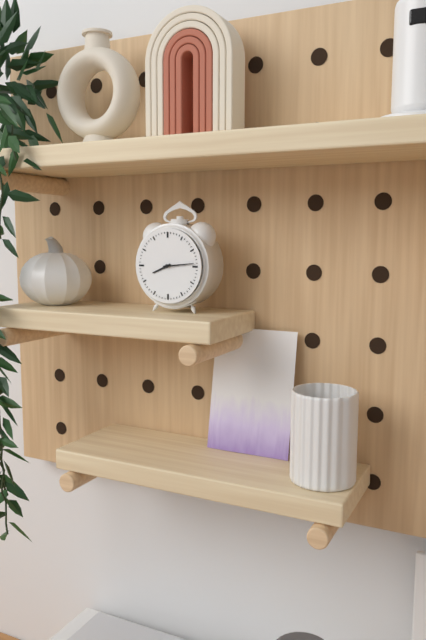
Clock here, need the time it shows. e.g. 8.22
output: 8.14
